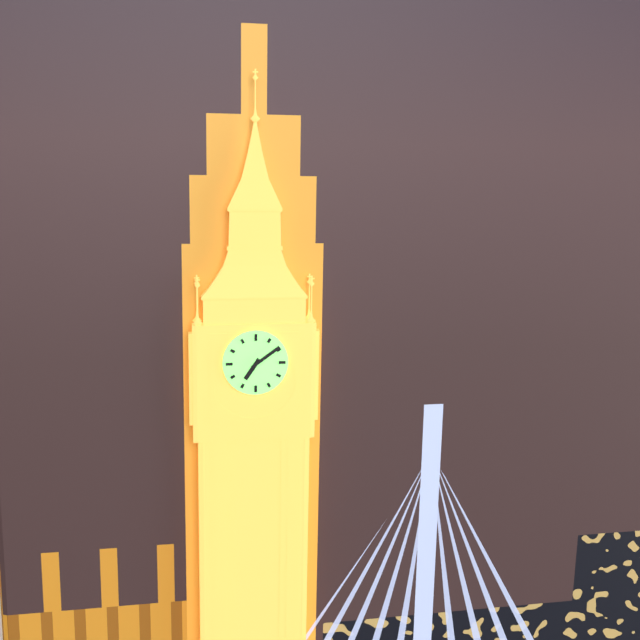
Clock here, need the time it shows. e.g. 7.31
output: 7.09
